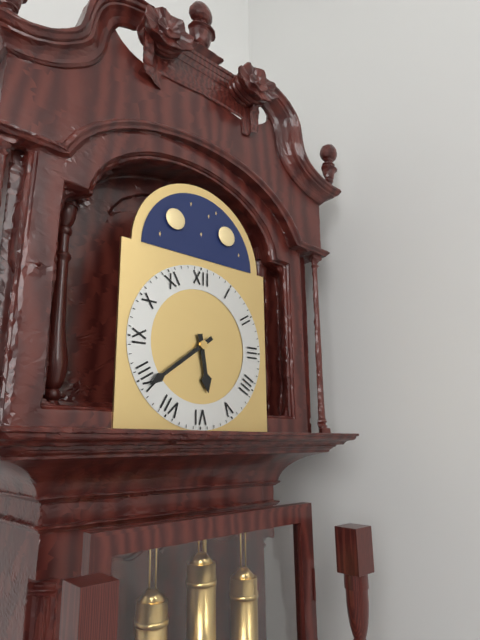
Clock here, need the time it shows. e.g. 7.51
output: 5.39
